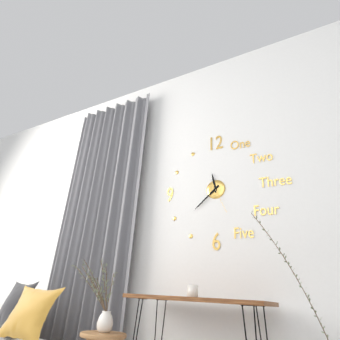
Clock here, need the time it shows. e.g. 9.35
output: 11.38
